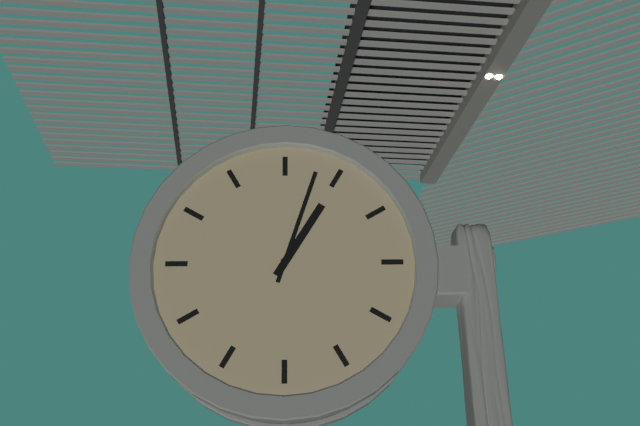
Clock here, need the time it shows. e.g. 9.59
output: 1.03
